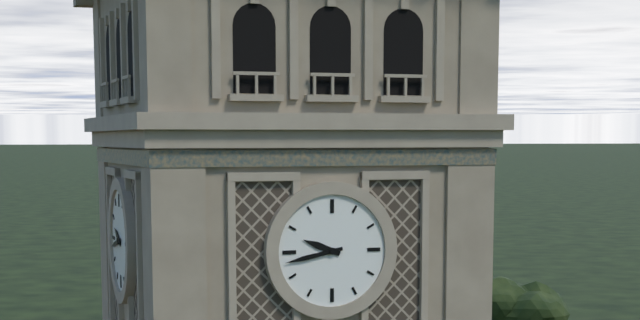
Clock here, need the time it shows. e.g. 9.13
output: 9.43
